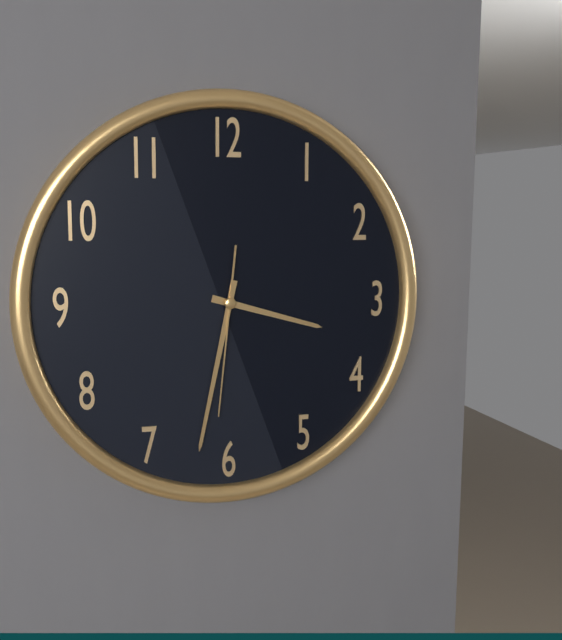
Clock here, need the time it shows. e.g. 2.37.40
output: 3.32.31
